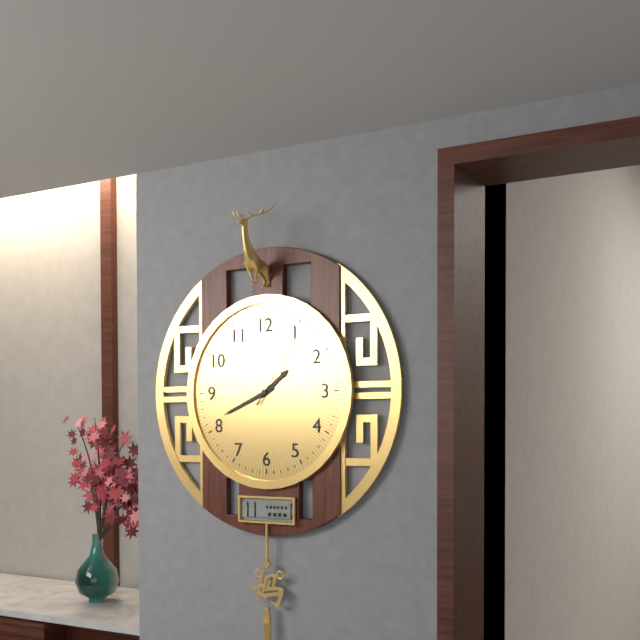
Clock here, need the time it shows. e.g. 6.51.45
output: 1.41.06
